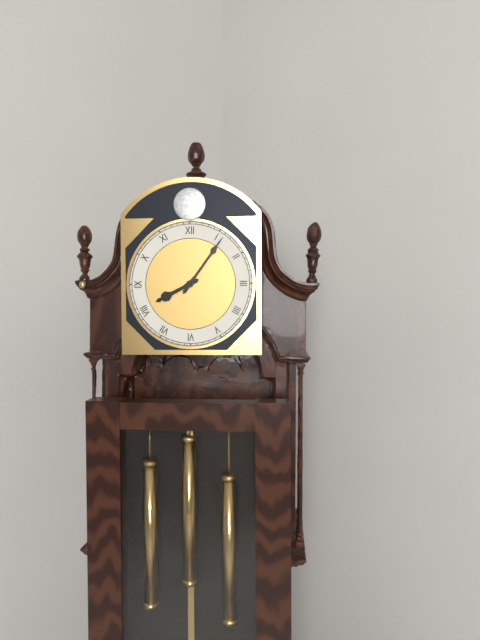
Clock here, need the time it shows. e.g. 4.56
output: 8.06
